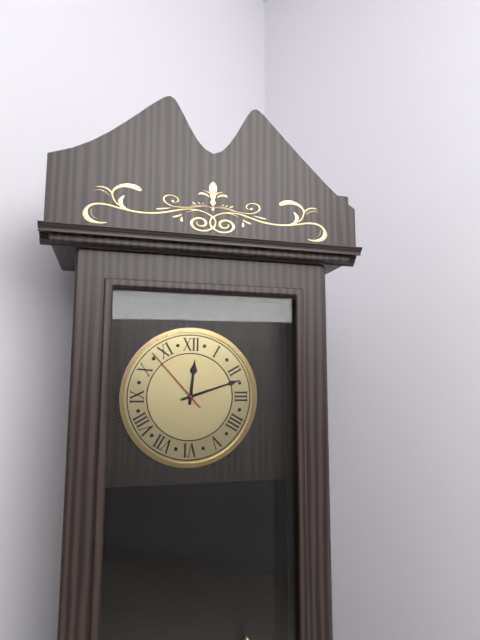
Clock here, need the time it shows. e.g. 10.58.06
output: 12.12.53
